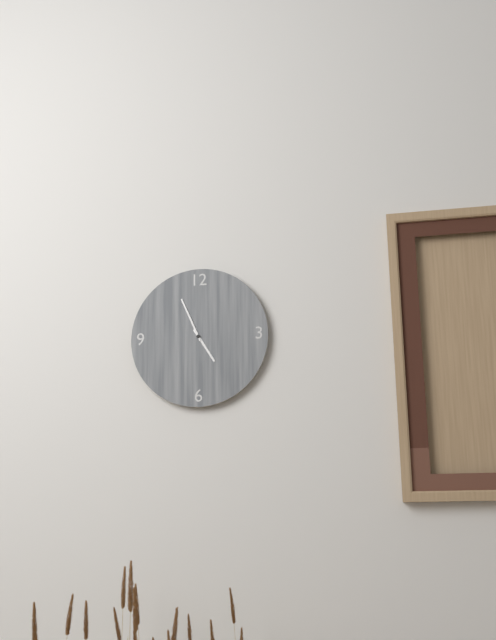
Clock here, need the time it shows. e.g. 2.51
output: 4.56
